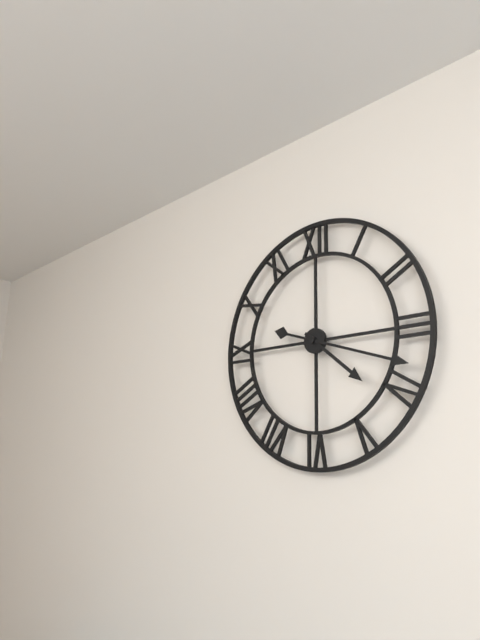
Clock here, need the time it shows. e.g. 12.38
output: 4.18
